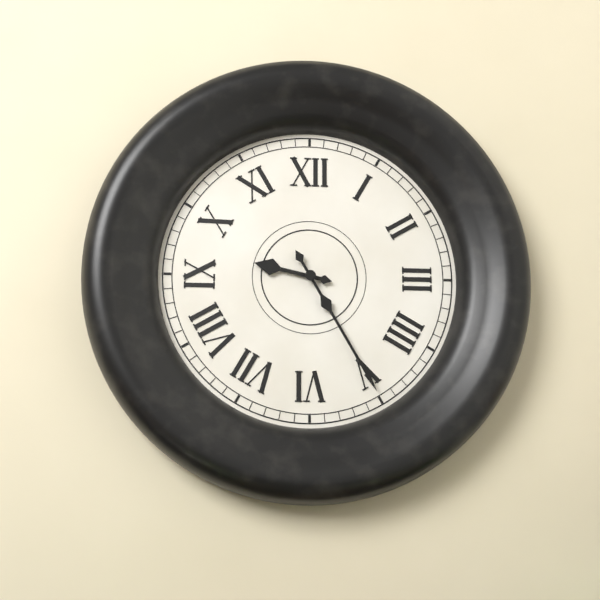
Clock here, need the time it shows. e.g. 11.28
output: 9.25
